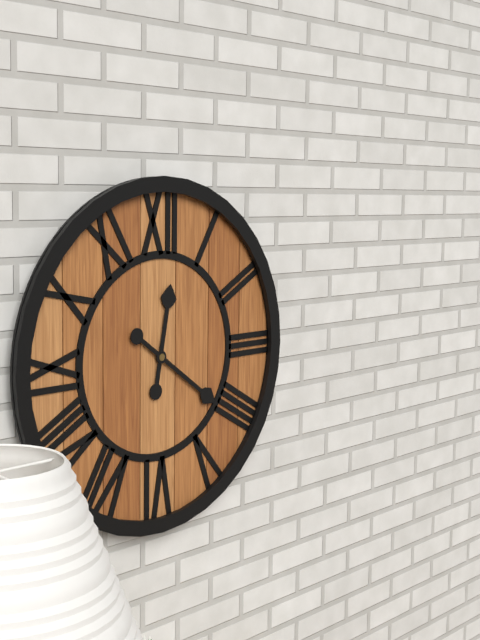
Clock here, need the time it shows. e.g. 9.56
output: 12.21
